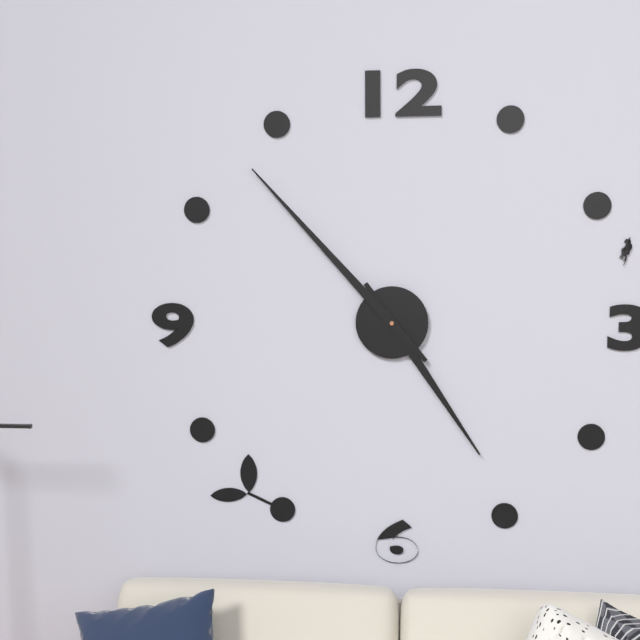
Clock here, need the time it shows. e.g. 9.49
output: 4.53
